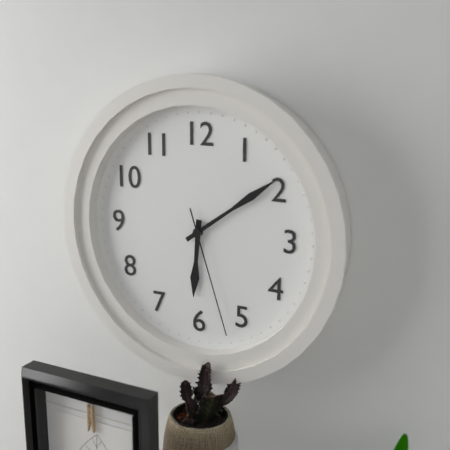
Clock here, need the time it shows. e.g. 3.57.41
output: 6.09.27
